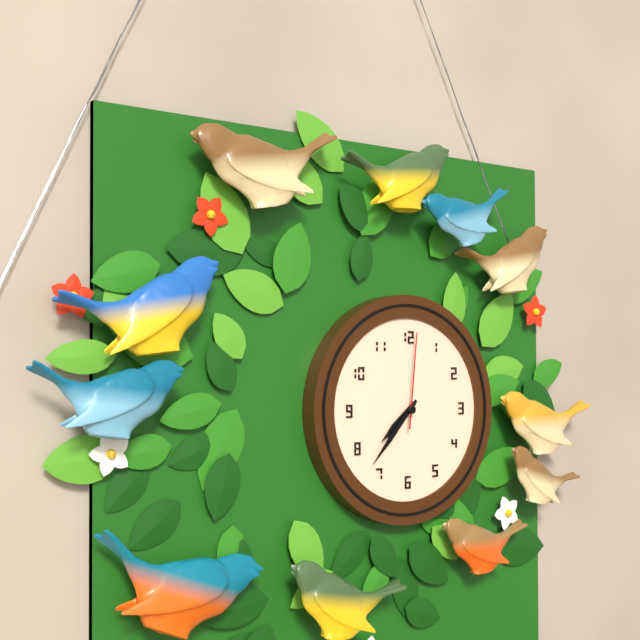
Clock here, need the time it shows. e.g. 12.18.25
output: 7.37.01
